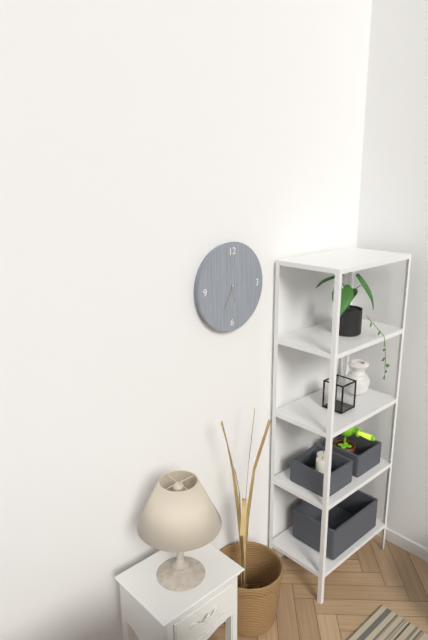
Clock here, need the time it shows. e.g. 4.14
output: 5.35
